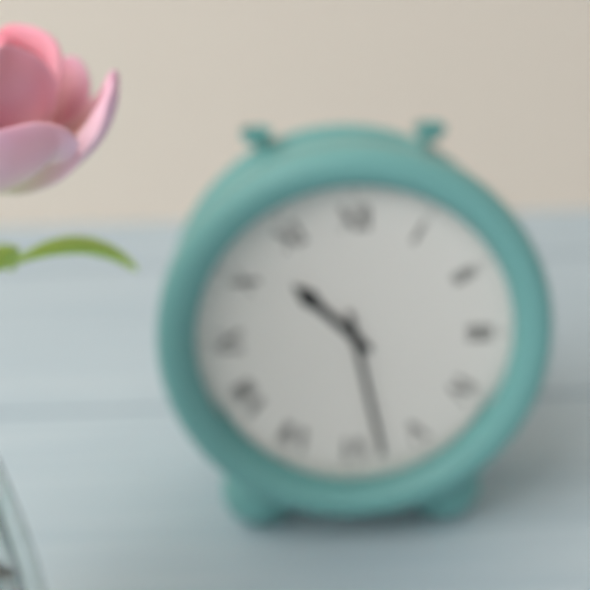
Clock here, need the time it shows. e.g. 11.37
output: 10.28
